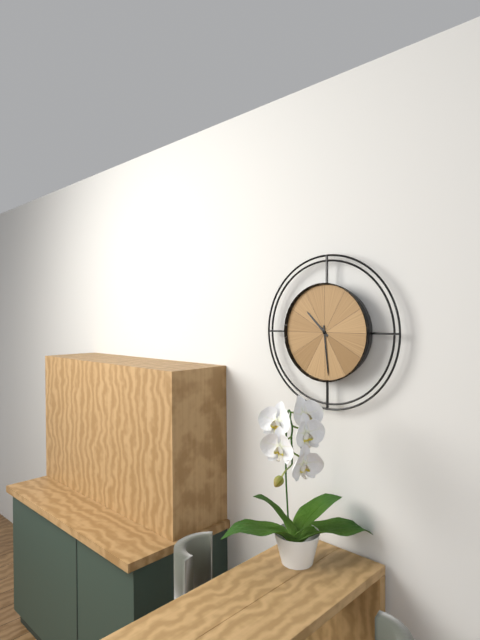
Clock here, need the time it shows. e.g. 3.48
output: 10.29
